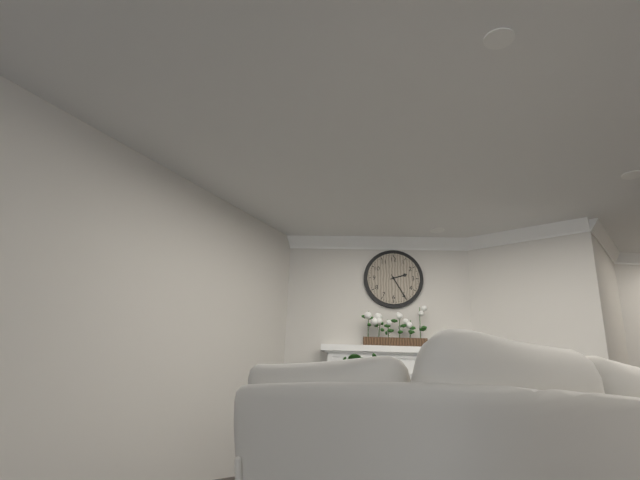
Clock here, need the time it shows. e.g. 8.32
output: 2.25
